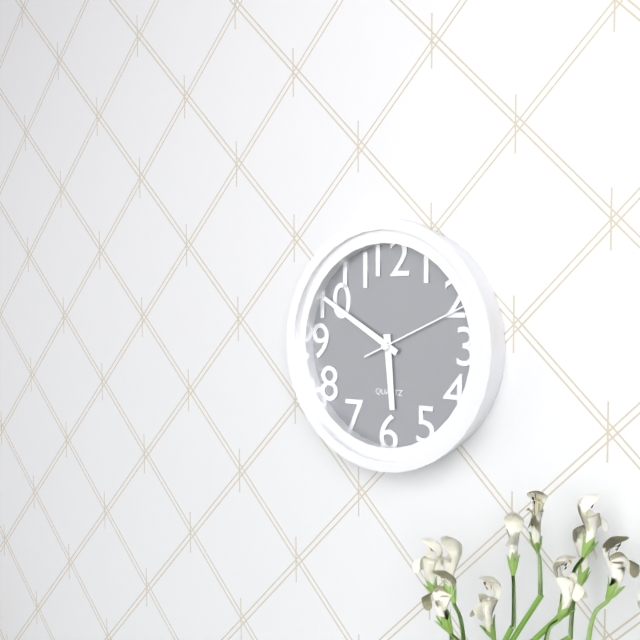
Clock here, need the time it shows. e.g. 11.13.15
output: 5.50.11
